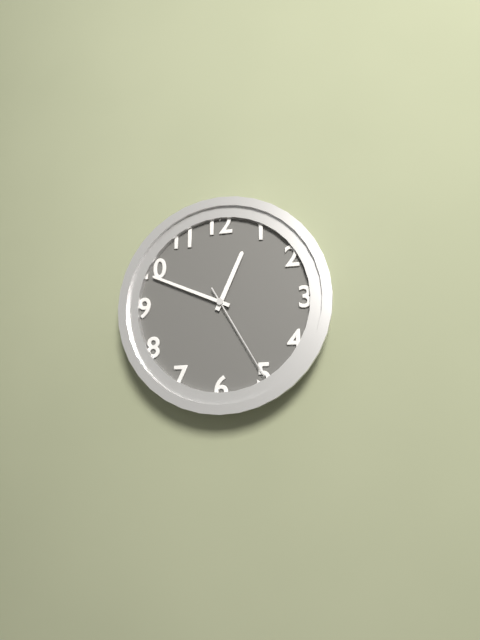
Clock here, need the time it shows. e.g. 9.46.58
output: 12.49.25
